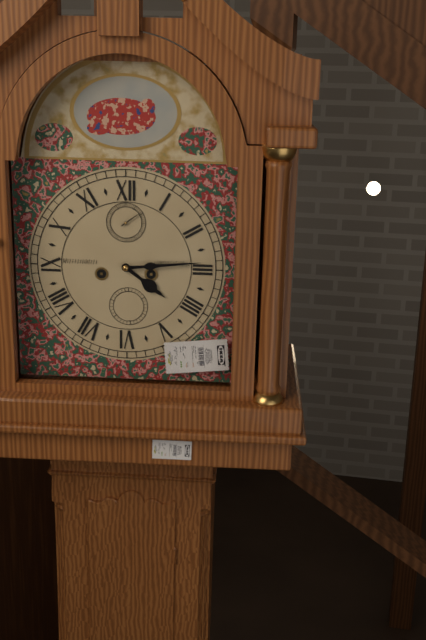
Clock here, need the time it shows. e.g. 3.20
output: 4.14
